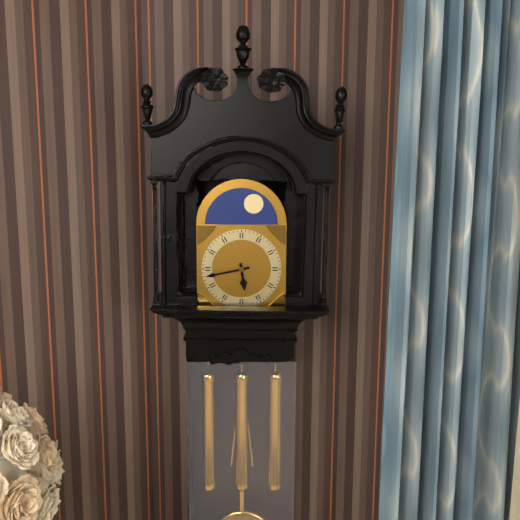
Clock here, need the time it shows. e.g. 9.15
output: 5.43
